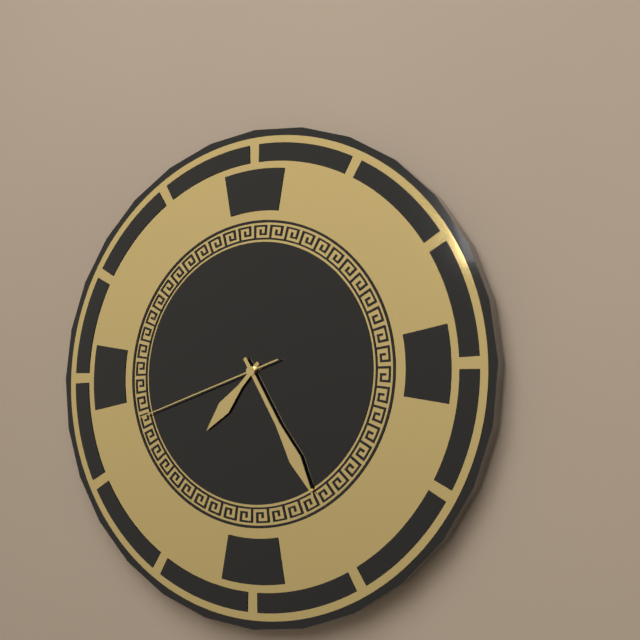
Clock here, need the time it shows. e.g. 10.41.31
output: 7.25.42
